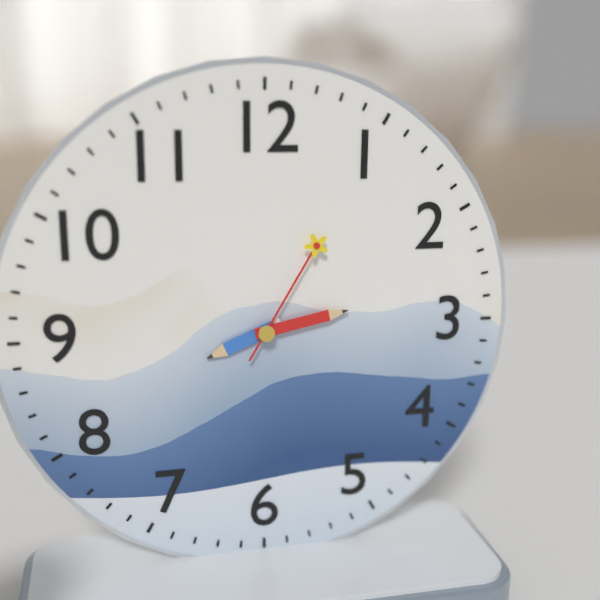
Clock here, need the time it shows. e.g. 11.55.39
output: 8.13.05
